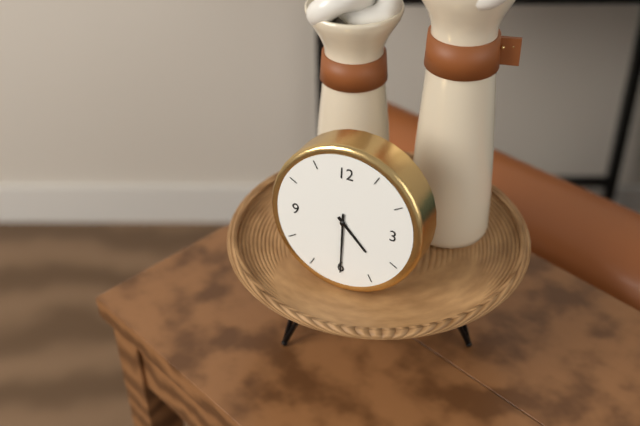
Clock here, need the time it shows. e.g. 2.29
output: 4.30
